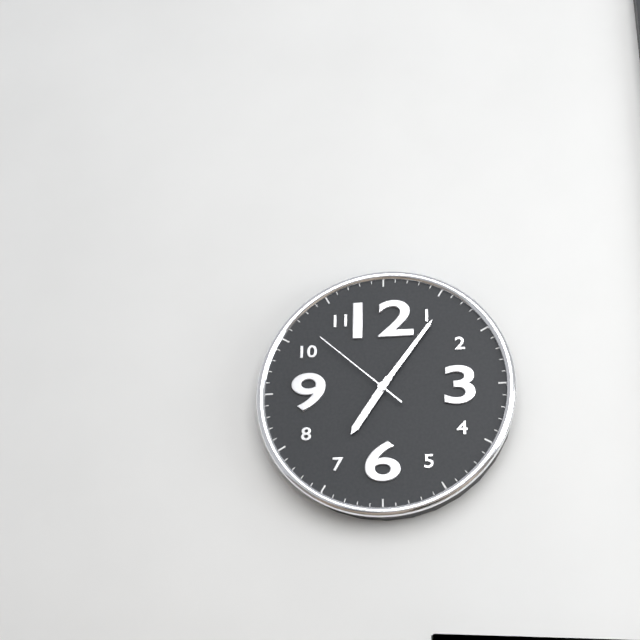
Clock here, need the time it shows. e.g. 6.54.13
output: 7.06.52
